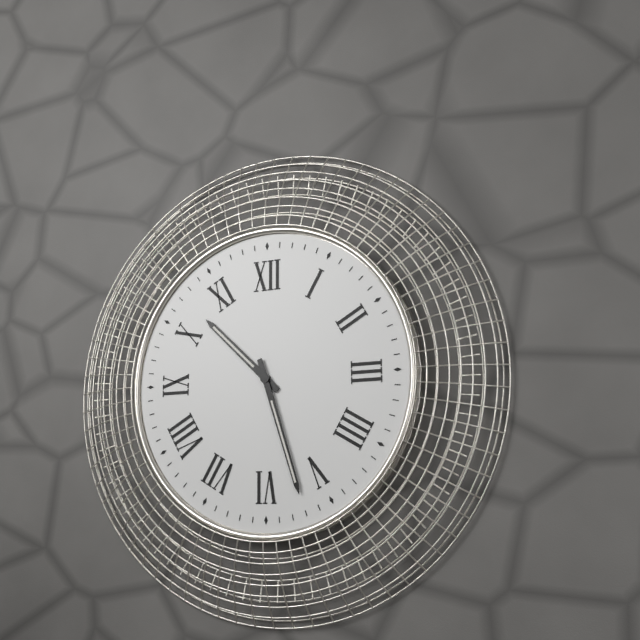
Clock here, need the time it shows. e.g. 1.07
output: 10.27
